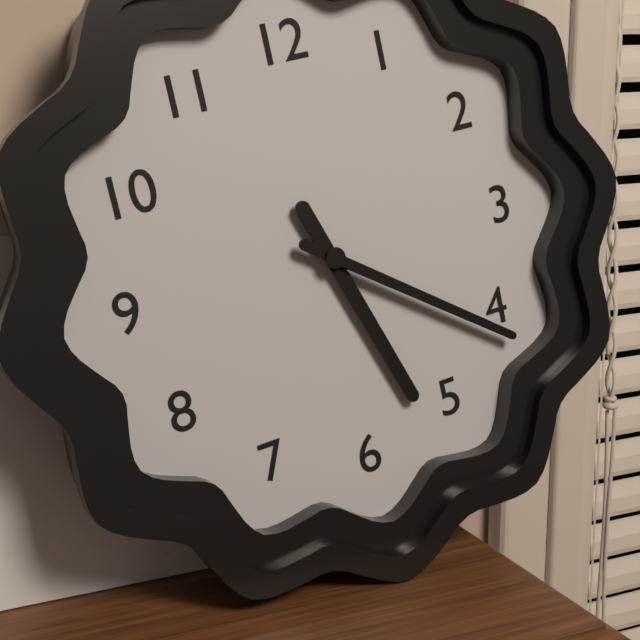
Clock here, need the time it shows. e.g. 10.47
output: 5.21
